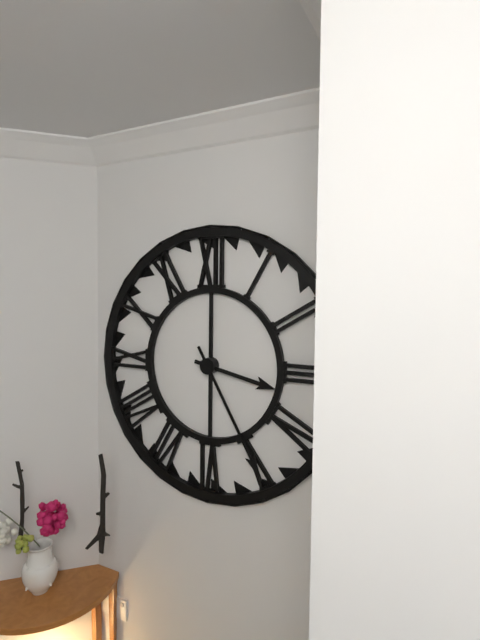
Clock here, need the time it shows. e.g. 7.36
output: 3.25
